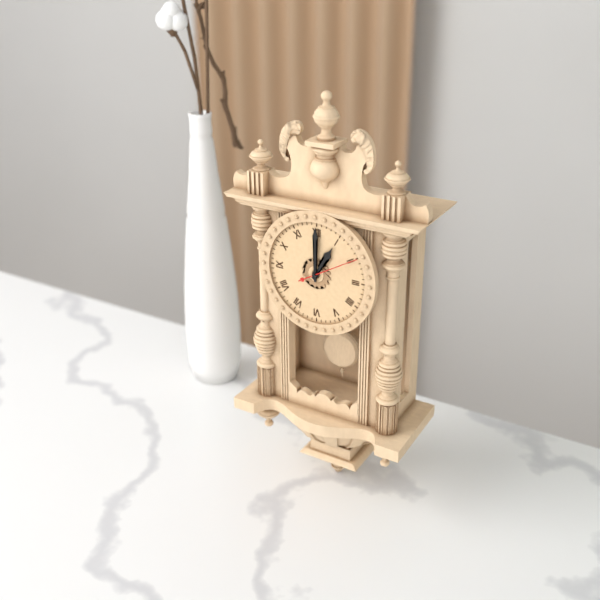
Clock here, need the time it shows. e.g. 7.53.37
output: 1.00.10
